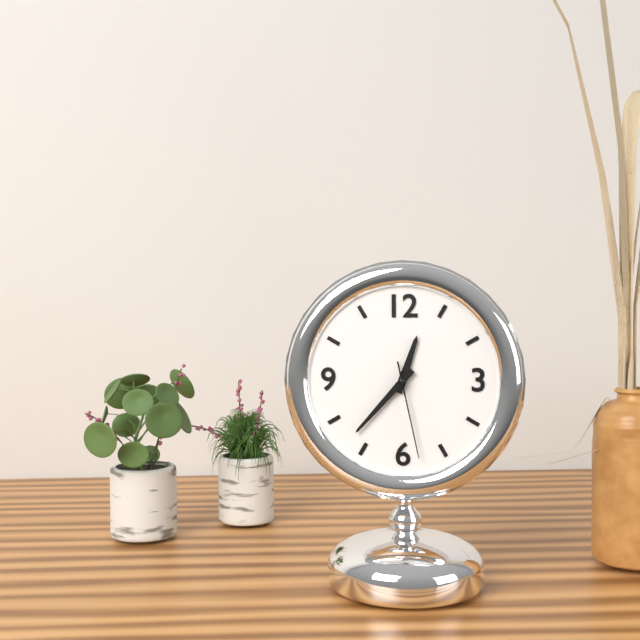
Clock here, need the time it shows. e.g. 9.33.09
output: 12.37.28
